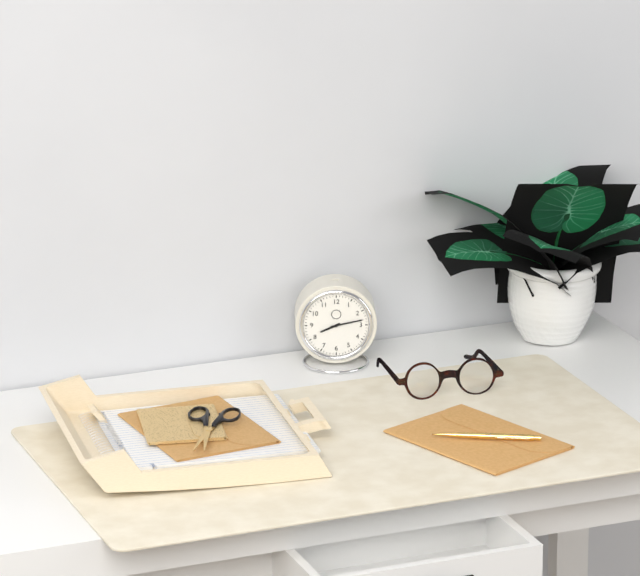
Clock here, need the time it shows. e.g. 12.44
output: 8.13
